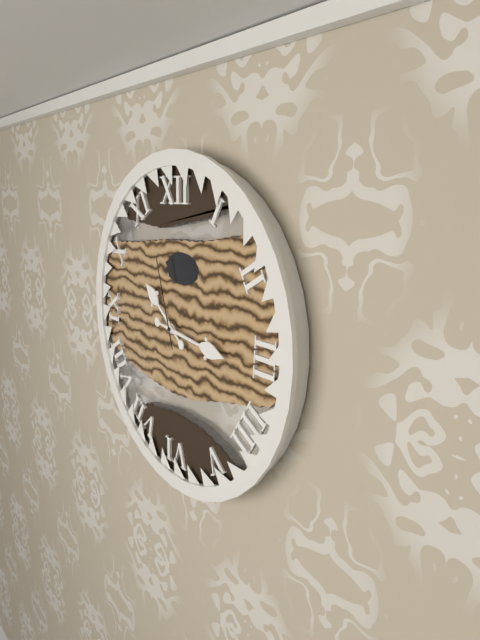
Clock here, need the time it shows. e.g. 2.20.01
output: 10.16.57
